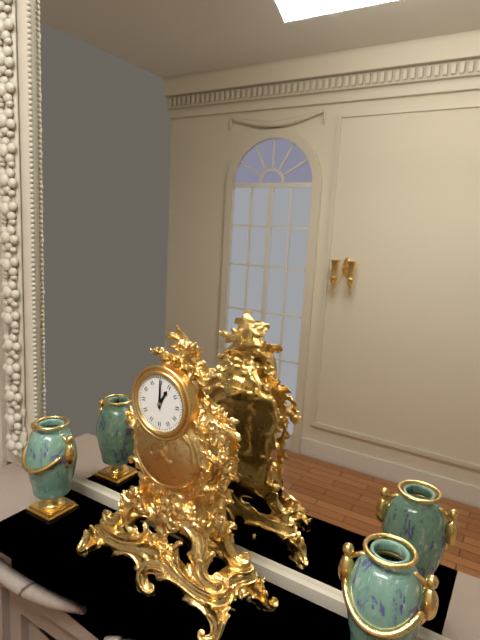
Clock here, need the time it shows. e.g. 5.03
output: 1.00
